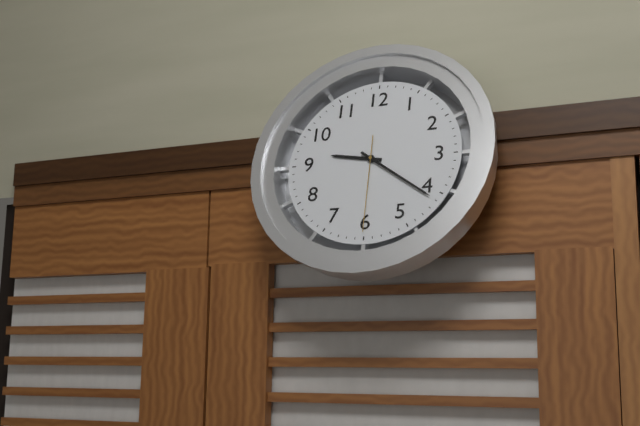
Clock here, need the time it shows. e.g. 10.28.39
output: 9.21.30
